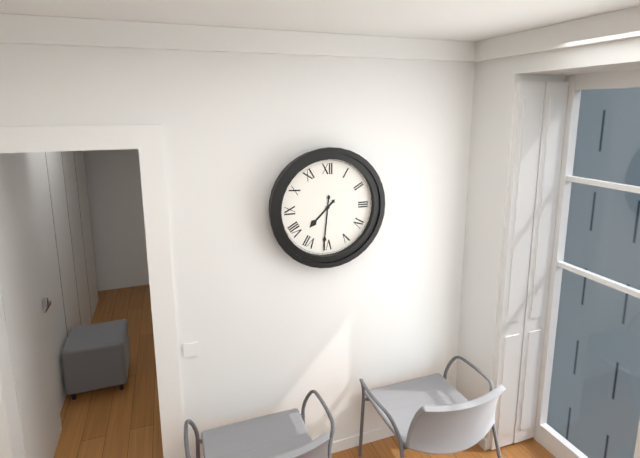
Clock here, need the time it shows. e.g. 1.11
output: 7.31
